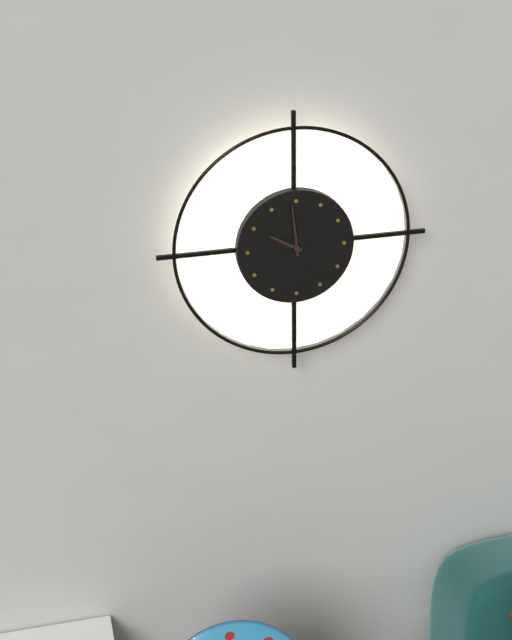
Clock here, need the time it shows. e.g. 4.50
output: 9.59
